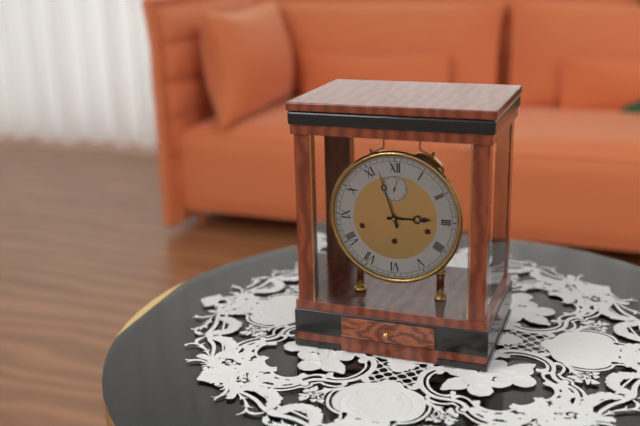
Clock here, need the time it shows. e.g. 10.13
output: 2.57
